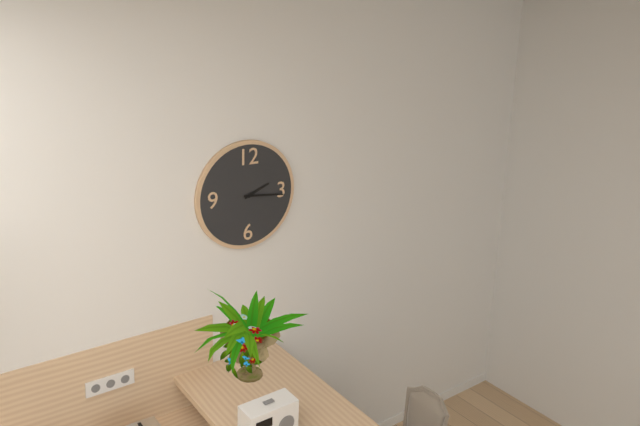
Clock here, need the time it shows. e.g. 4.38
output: 2.16
